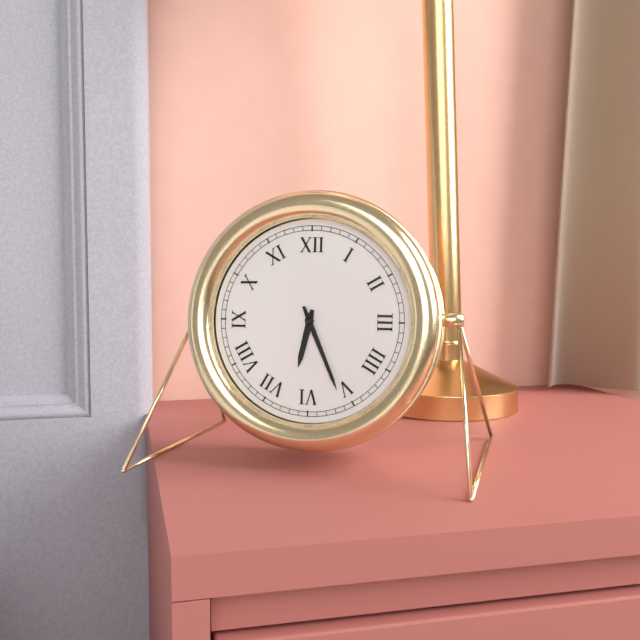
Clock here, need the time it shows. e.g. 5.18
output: 6.26
